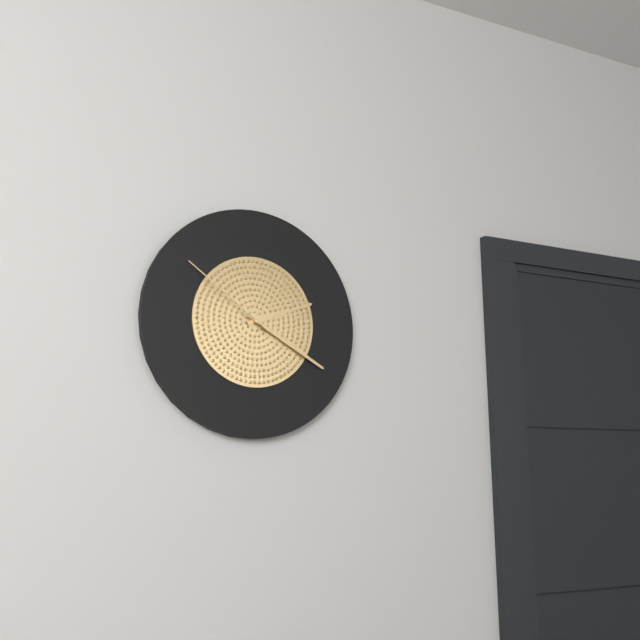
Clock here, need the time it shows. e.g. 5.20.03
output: 2.20.51
